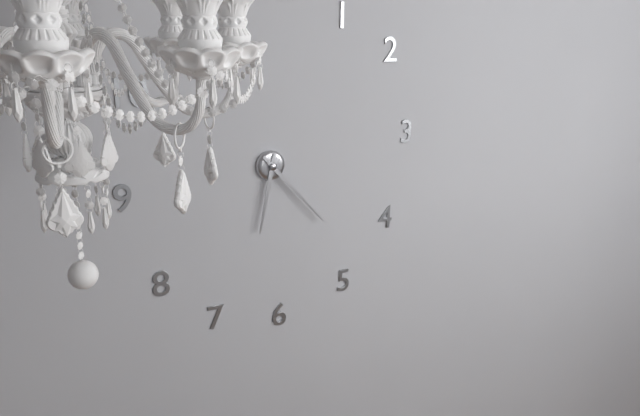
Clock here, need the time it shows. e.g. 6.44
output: 6.23
